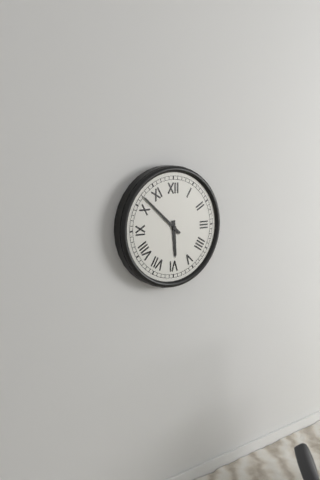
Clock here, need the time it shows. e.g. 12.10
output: 5.52
